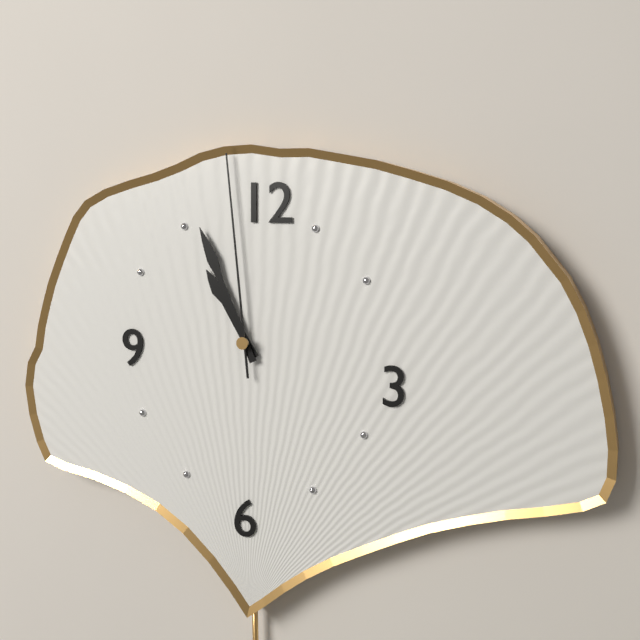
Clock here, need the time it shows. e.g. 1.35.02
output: 10.56.59
